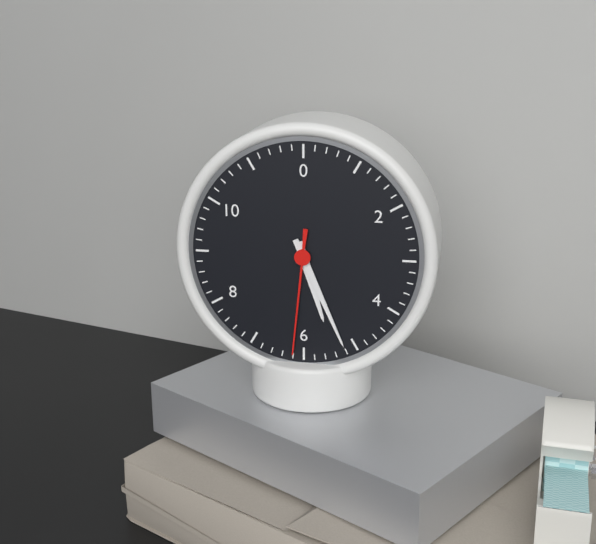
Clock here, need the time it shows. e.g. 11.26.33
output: 5.26.31
